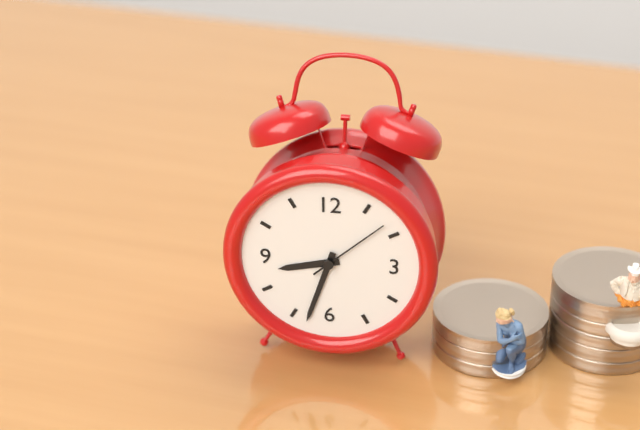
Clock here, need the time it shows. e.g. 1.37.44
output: 8.33.08
